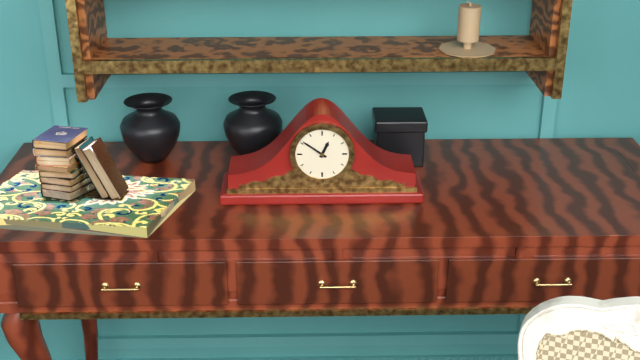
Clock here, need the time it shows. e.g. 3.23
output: 12.51
